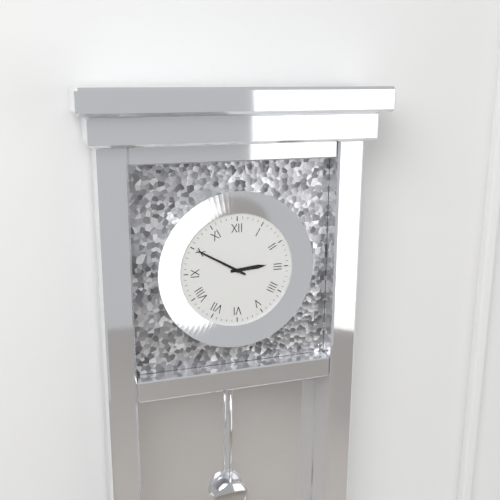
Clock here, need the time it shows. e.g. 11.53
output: 2.50
